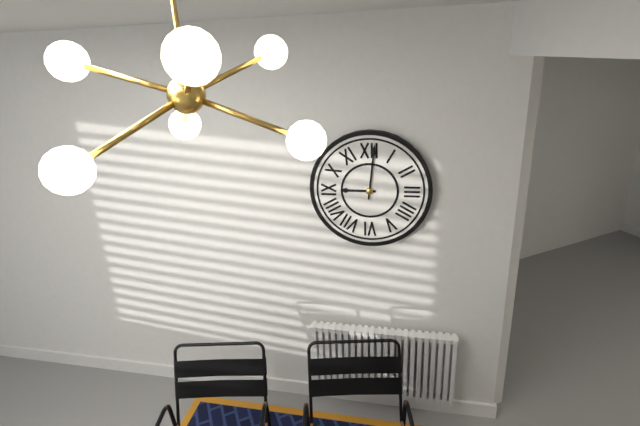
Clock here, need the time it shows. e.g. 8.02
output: 9.01
